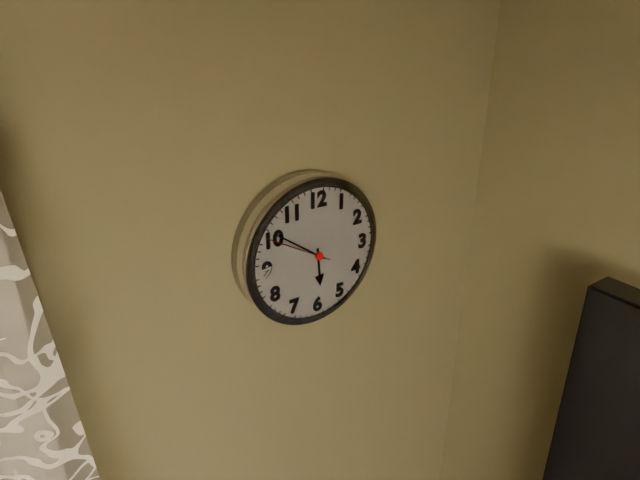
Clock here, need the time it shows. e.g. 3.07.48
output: 5.51.50
